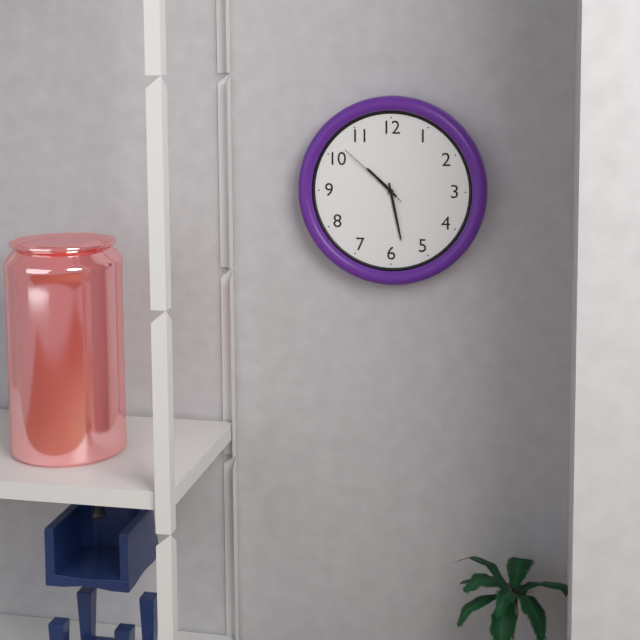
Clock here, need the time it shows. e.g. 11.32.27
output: 10.28.52
